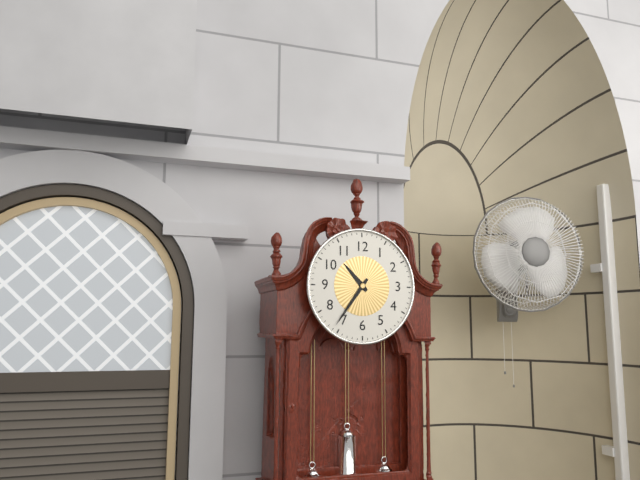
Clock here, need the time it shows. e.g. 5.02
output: 10.36
